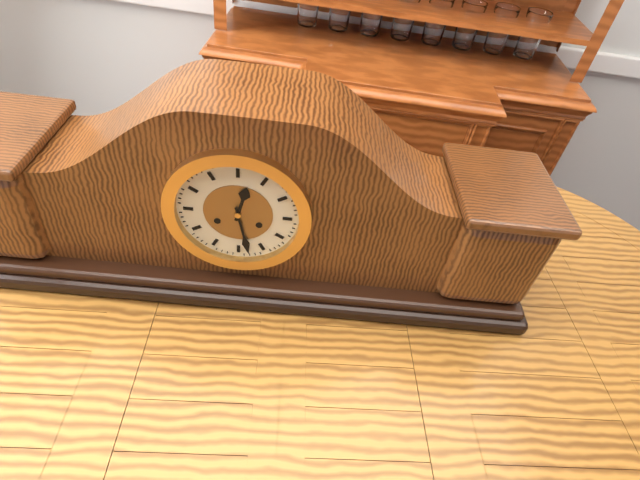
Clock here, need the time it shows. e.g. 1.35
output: 12.28
